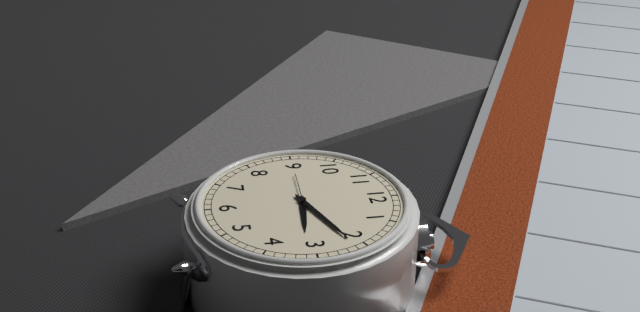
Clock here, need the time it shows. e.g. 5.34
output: 3.11
